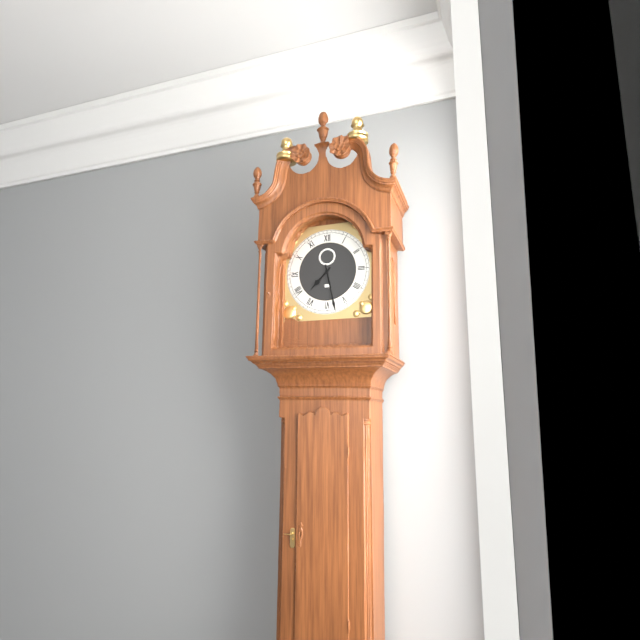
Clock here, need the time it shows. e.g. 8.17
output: 7.28
